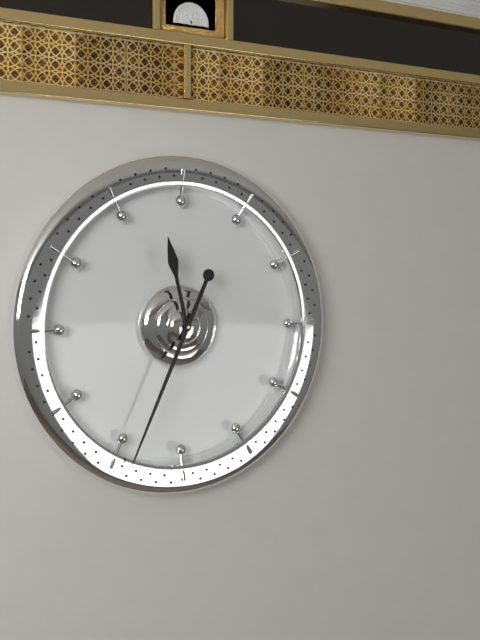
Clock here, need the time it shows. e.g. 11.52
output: 11.34
